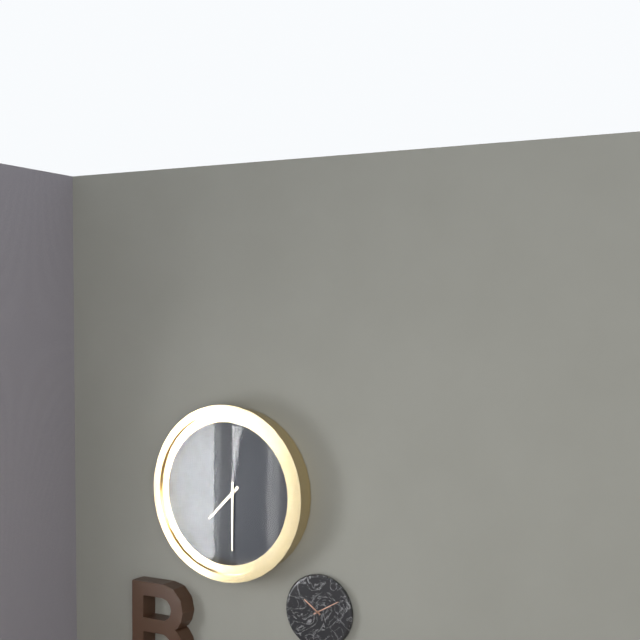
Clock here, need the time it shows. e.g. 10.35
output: 7.30
